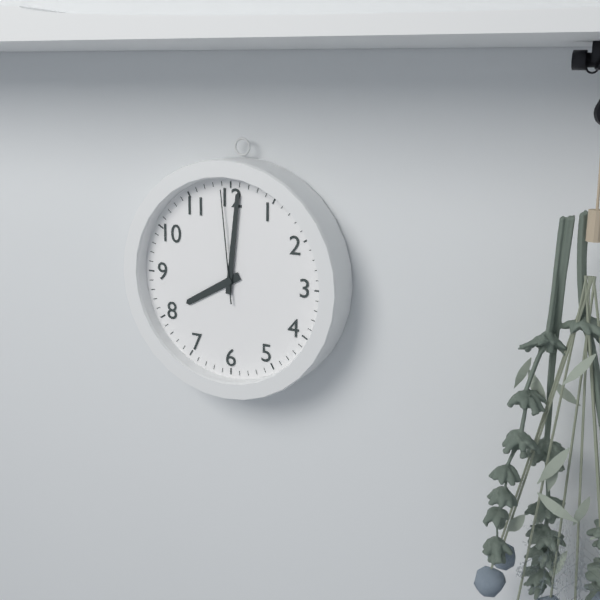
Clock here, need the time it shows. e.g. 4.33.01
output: 8.01.59
